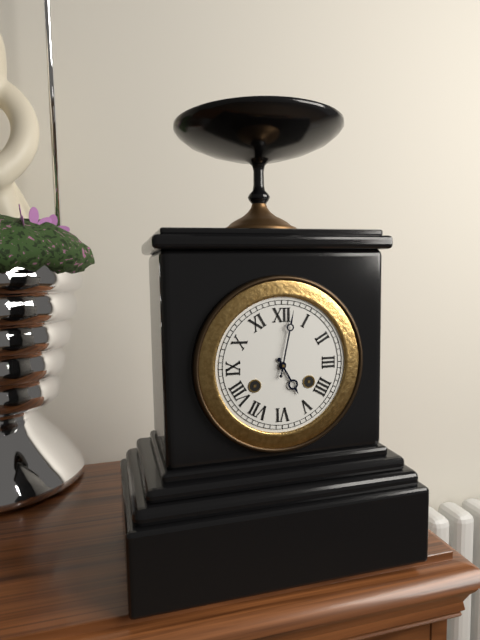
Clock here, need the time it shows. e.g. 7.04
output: 5.02
